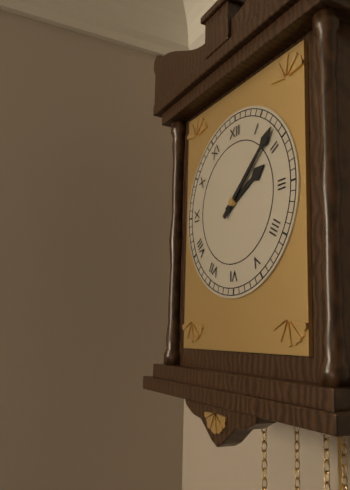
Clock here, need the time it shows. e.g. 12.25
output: 2.08
